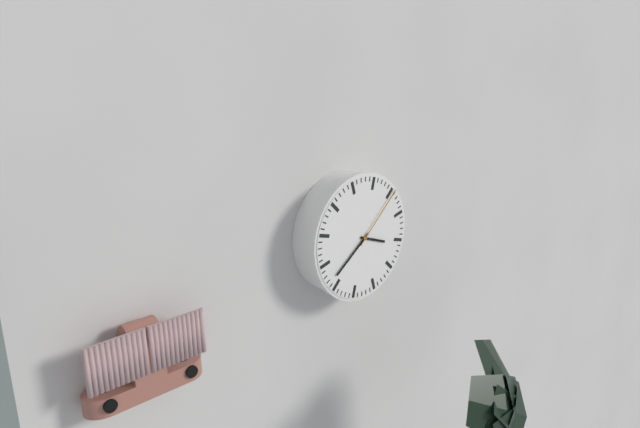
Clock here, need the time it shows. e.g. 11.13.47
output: 3.39.08
